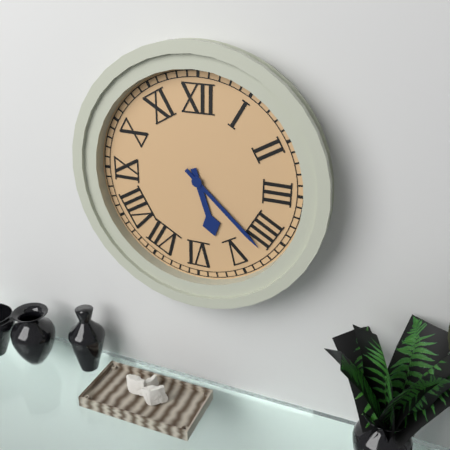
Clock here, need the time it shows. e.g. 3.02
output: 5.22
